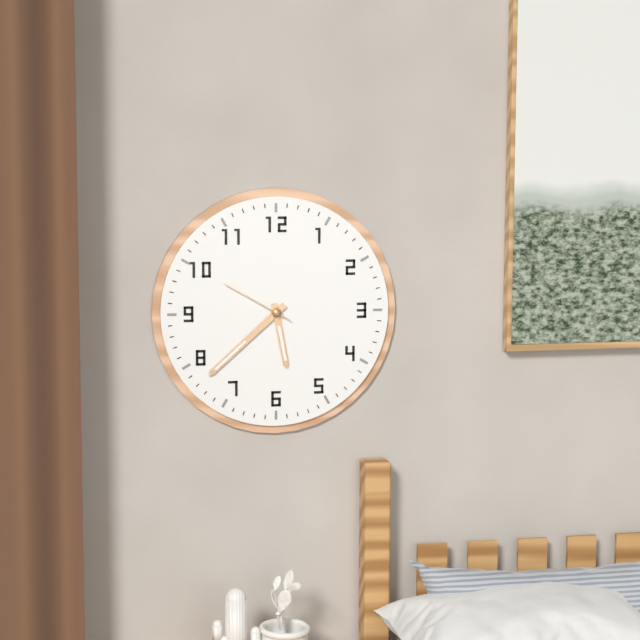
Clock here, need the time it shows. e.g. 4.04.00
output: 5.38.50
